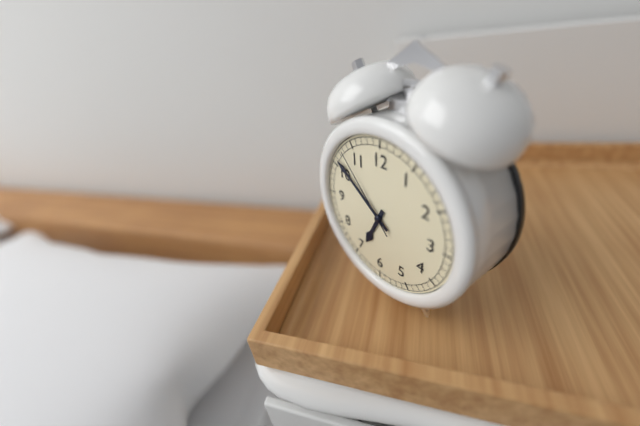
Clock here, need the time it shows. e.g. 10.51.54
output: 6.51.53
